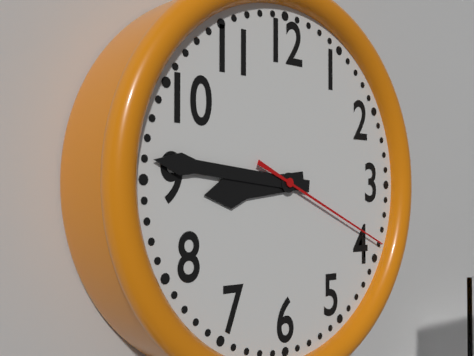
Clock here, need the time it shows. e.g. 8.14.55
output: 8.46.19
